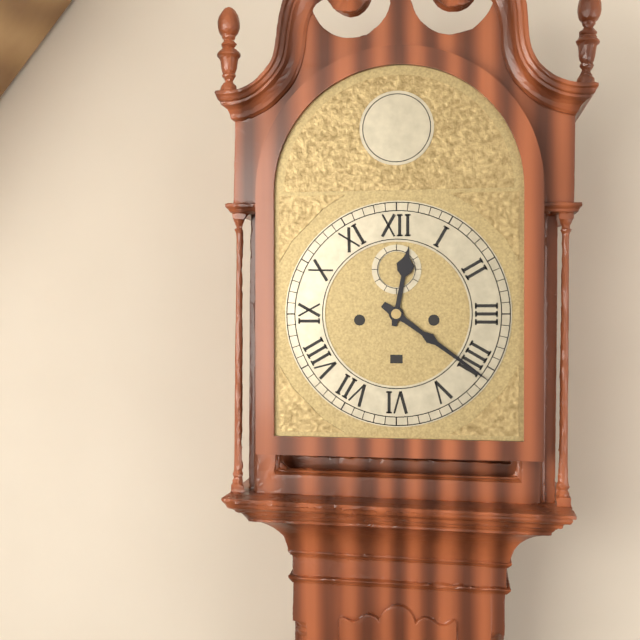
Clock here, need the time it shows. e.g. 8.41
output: 12.21
